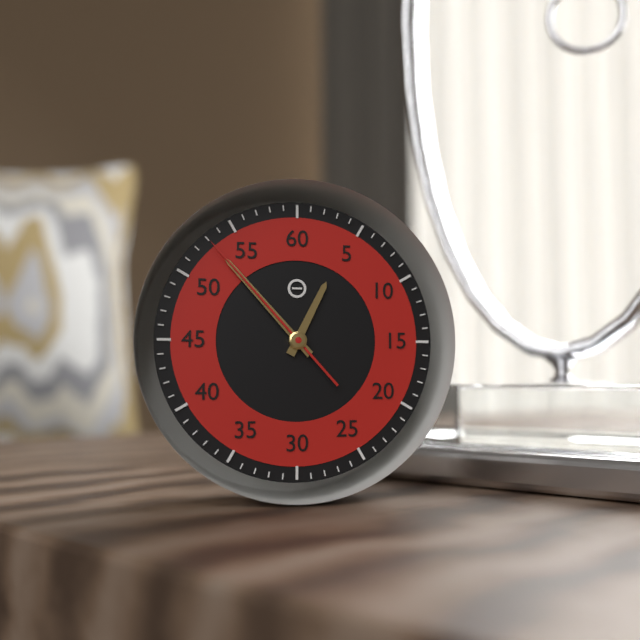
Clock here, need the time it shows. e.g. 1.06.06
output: 12.53.53
